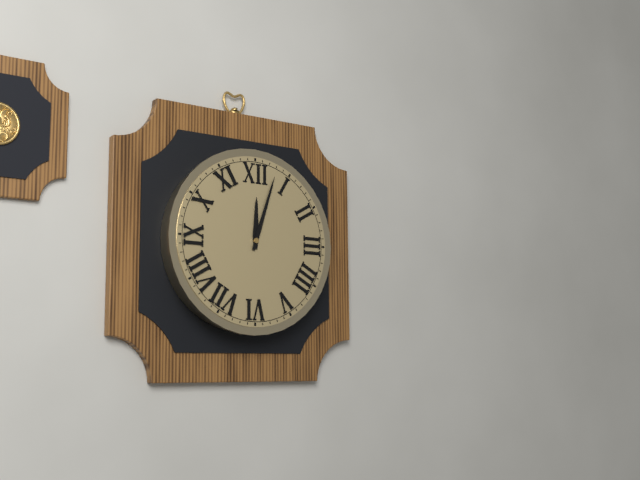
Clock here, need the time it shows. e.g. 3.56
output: 12.03
